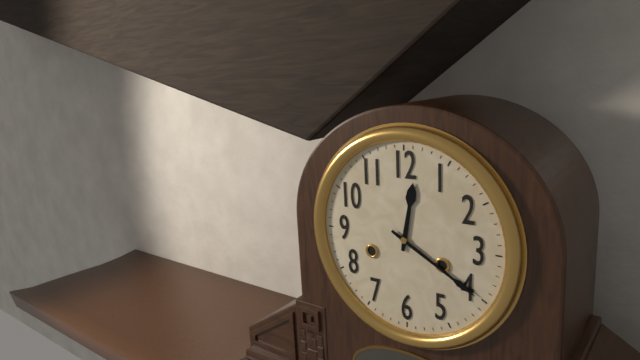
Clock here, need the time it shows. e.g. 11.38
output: 12.20
